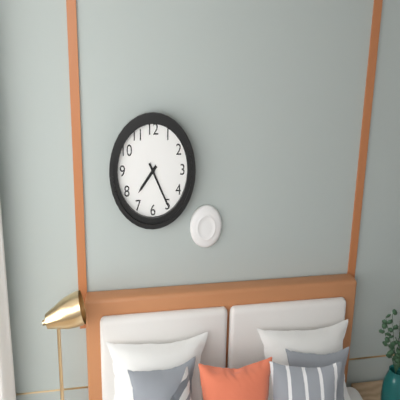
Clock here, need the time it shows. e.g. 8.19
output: 7.25
